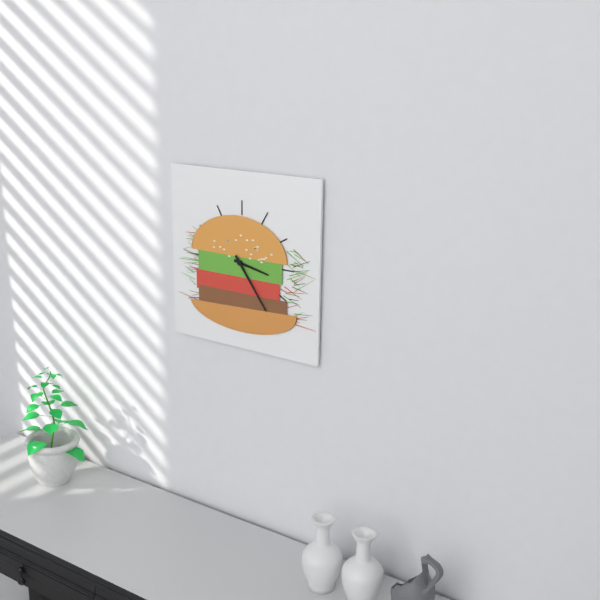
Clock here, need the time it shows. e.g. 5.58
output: 3.24
